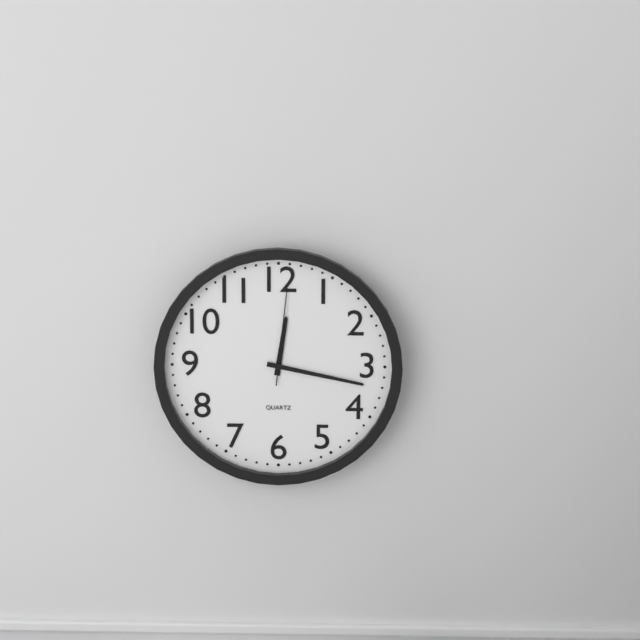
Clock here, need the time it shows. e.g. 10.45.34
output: 12.17.01
